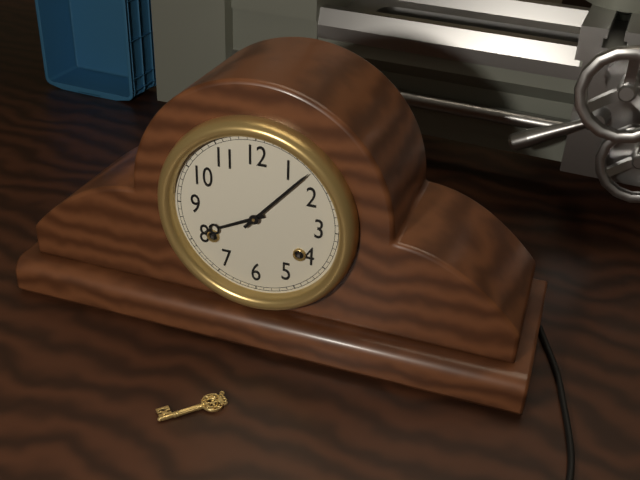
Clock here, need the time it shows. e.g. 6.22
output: 8.07
